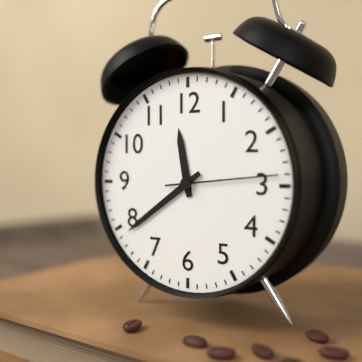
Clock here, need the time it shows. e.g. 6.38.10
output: 11.39.14
